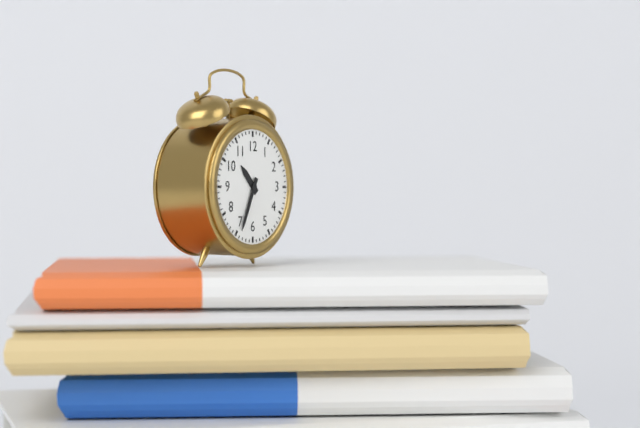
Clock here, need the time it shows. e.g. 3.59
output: 10.34
